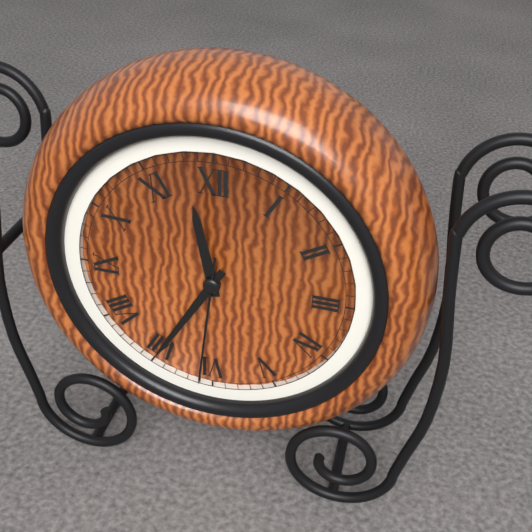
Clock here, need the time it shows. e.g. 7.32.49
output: 11.35.31
